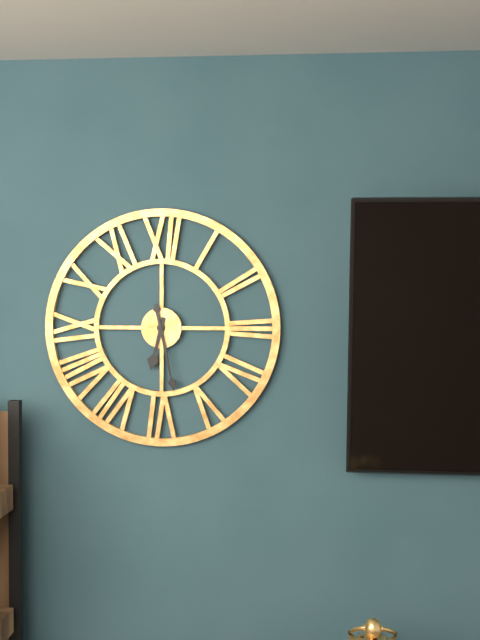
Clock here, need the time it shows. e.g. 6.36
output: 6.28
